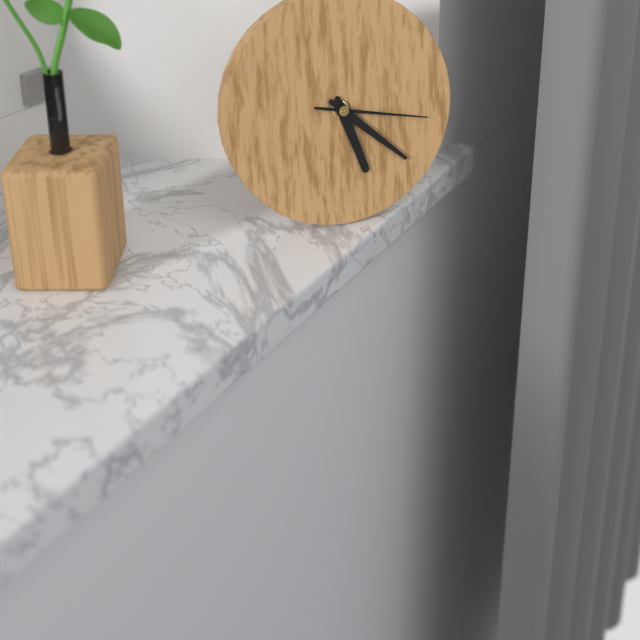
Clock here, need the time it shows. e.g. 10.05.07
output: 5.22.17
